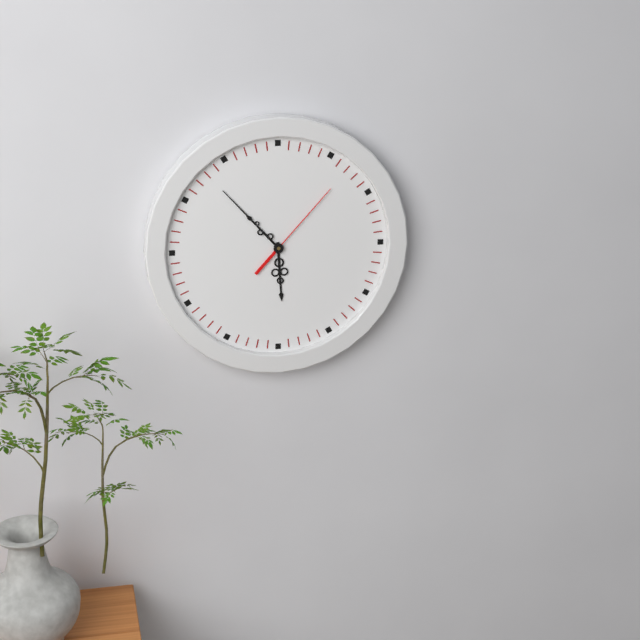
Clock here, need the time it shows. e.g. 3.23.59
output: 5.53.07
